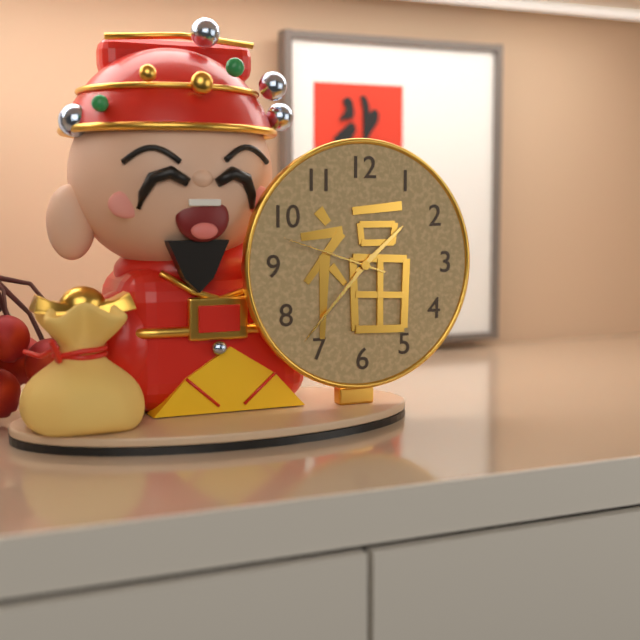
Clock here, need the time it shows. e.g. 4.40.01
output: 1.37.48
